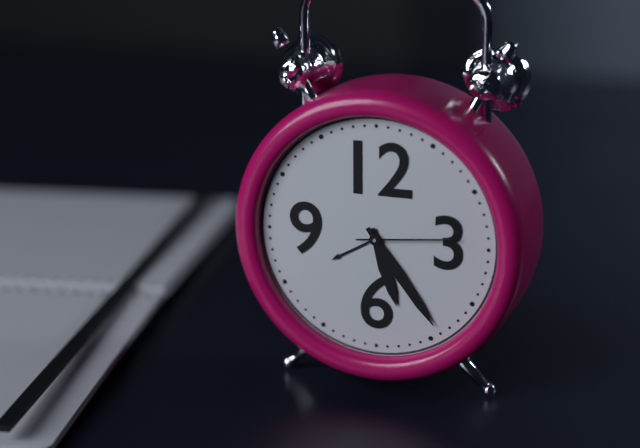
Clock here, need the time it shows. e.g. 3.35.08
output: 5.24.14
